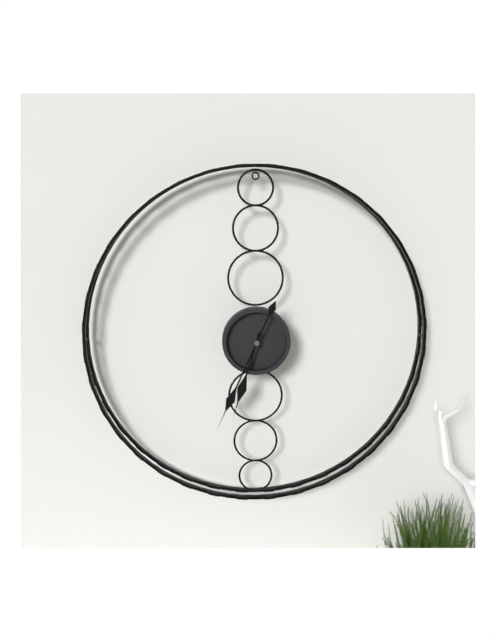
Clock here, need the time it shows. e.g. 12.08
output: 6.34
